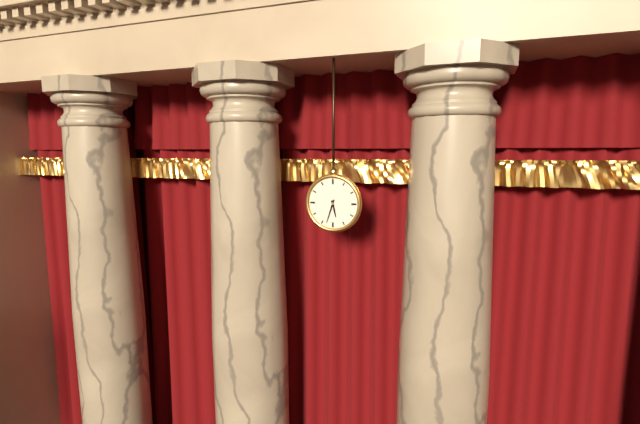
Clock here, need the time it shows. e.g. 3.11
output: 5.33
